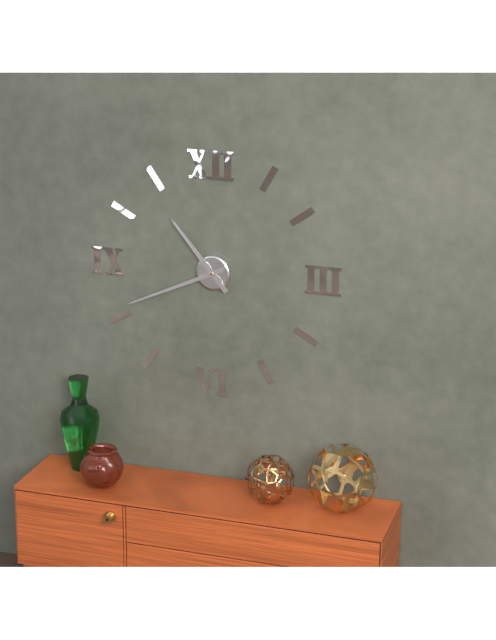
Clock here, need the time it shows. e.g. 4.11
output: 10.41
